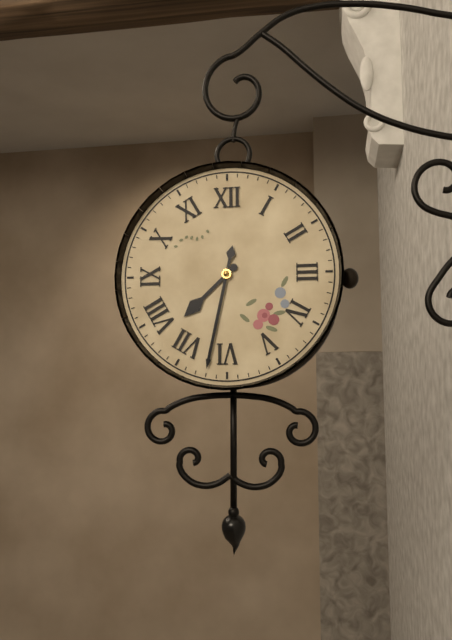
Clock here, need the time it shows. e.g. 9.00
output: 7.32
